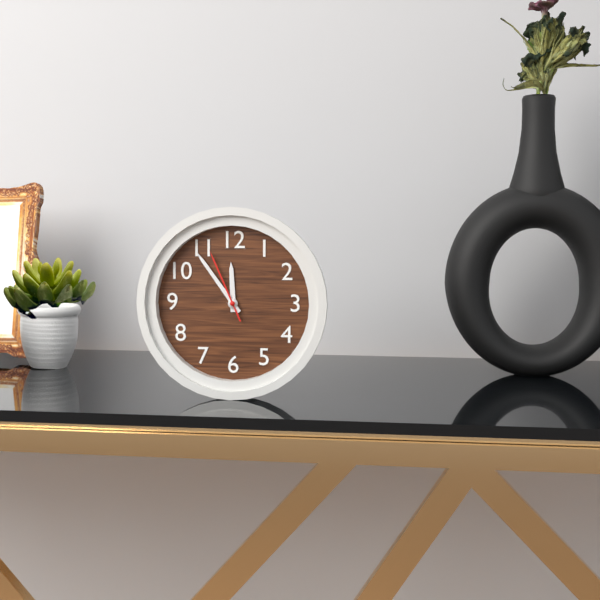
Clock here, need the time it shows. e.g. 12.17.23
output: 11.54.56
